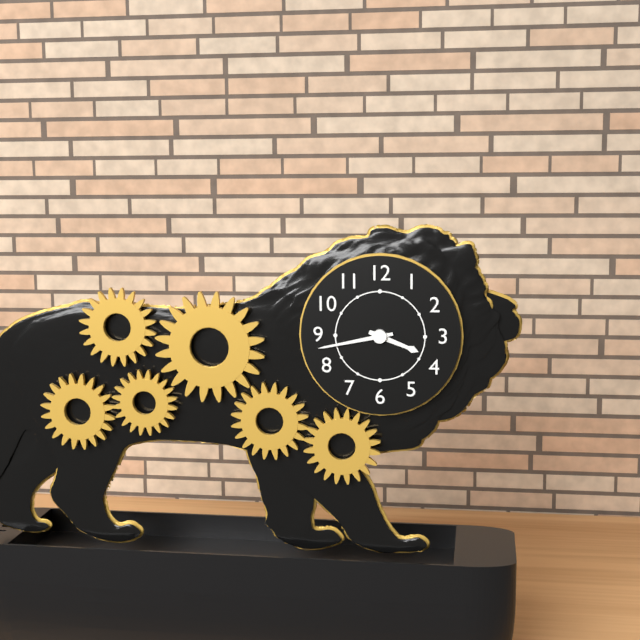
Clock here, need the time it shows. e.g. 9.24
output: 3.43
